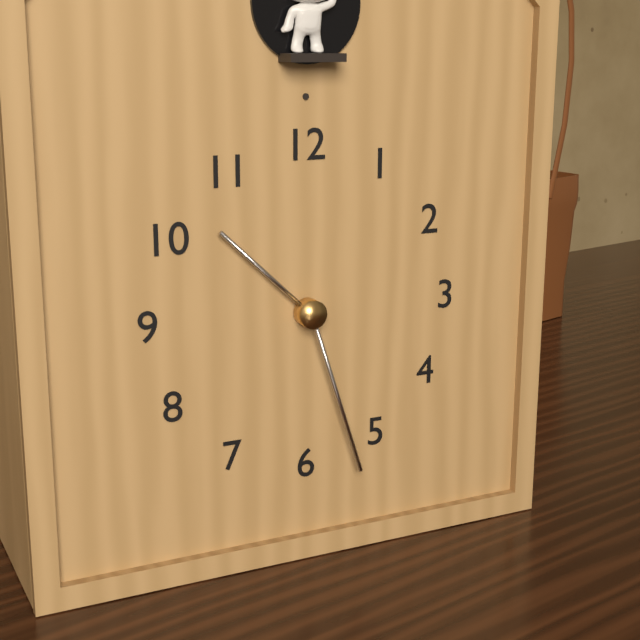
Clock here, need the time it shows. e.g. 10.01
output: 10.27
